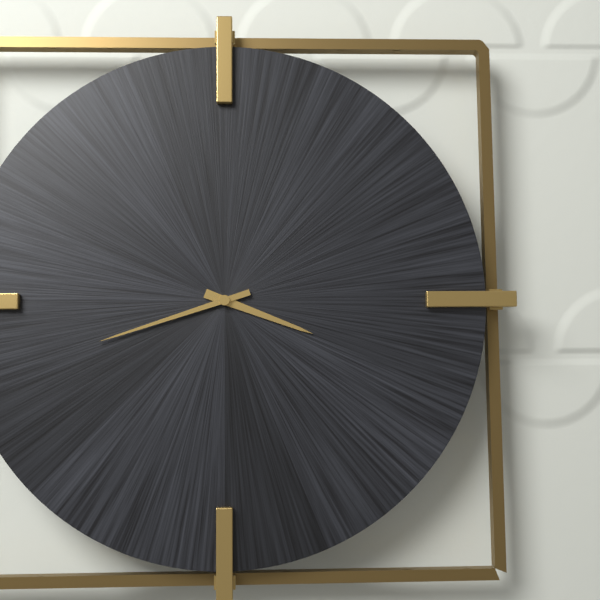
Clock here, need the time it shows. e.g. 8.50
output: 3.42
